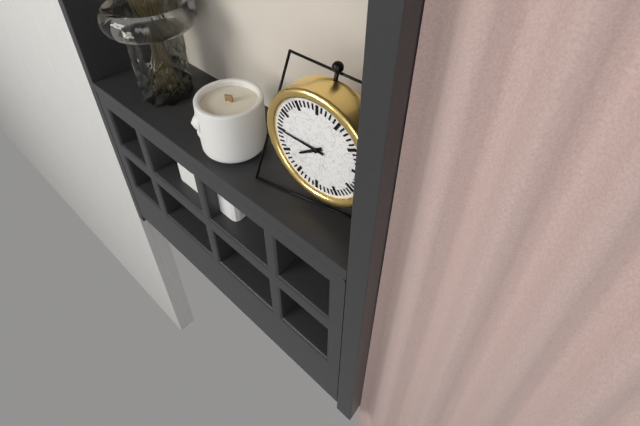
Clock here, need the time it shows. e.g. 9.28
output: 7.45
